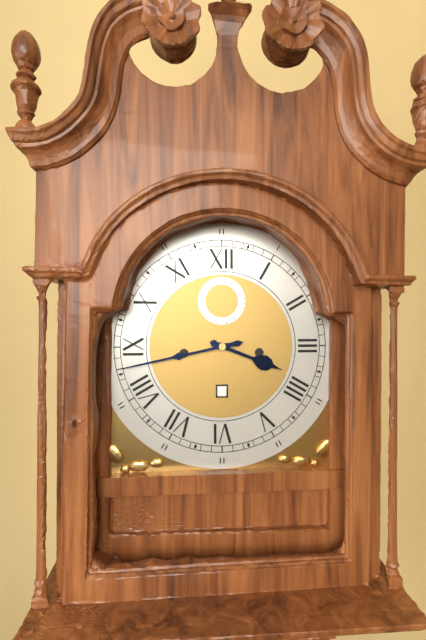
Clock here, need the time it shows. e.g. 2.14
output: 3.43
